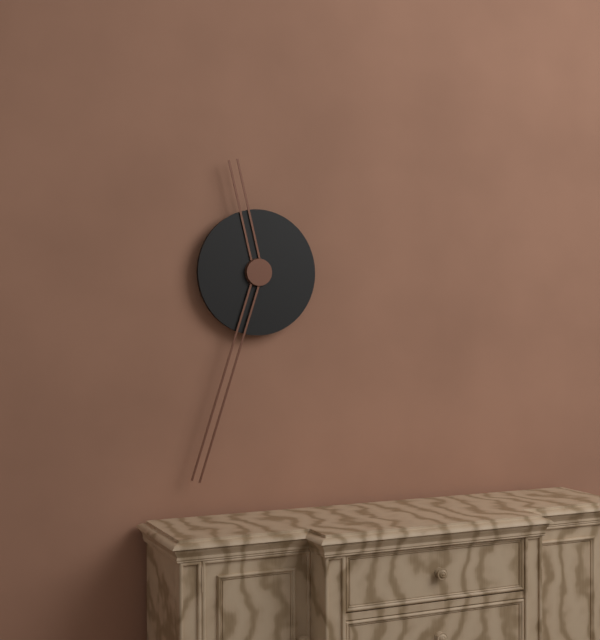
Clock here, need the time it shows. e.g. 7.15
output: 11.33
